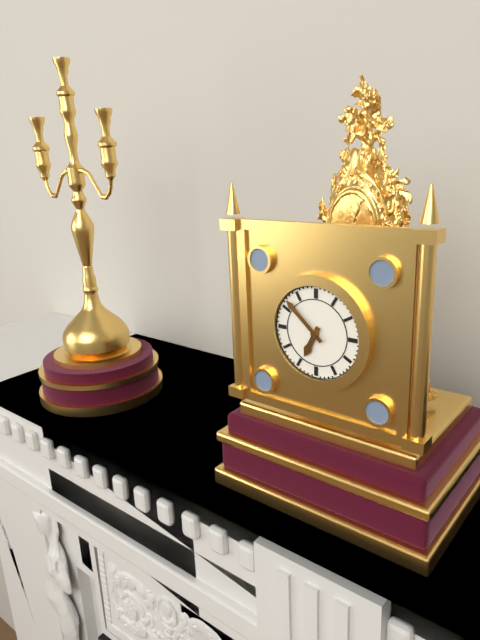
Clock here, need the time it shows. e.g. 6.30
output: 6.52
